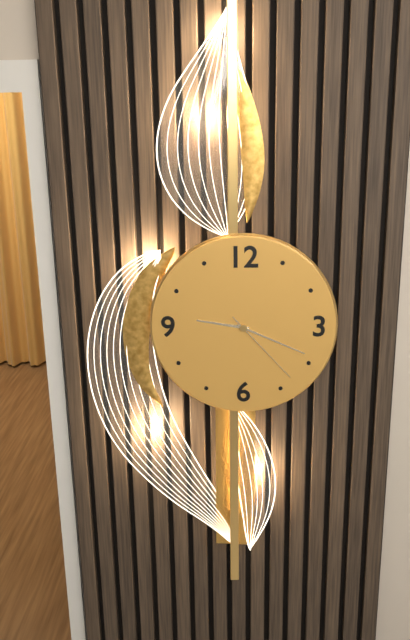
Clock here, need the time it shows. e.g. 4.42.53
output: 9.19.23
